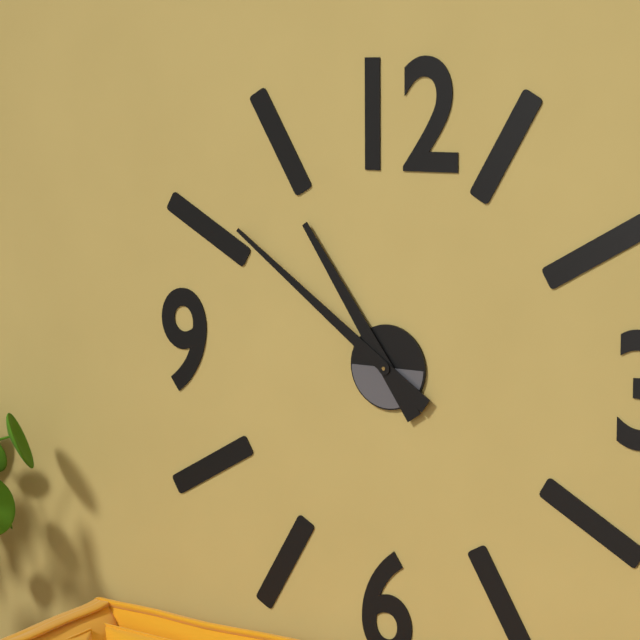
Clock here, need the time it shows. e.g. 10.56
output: 10.51
